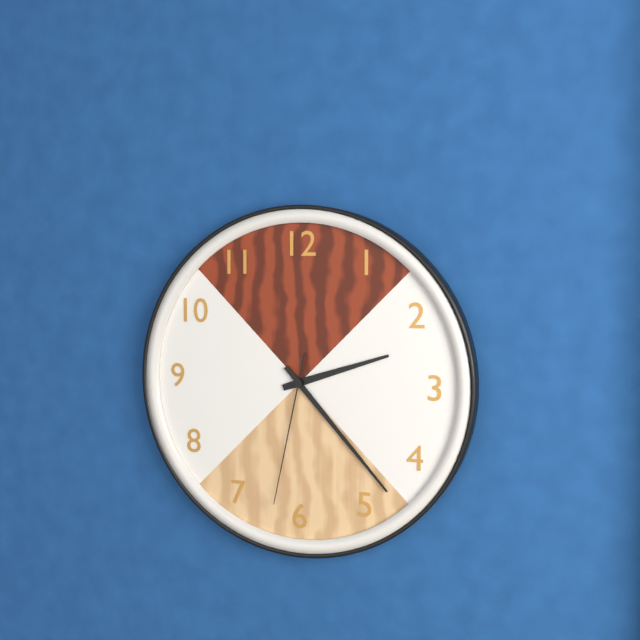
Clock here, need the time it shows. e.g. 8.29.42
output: 2.23.32
